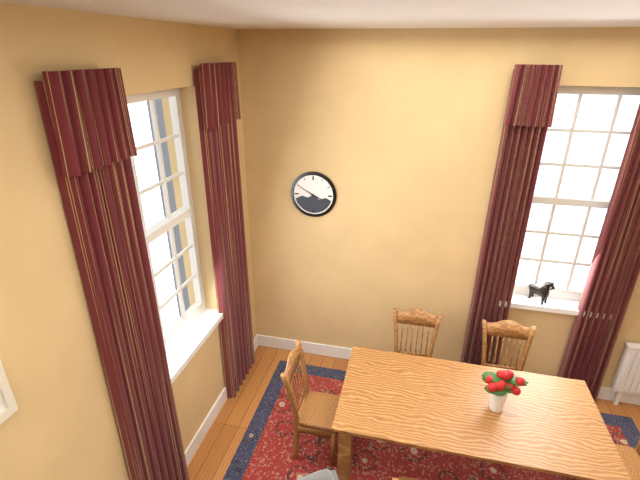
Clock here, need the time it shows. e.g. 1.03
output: 3.50
